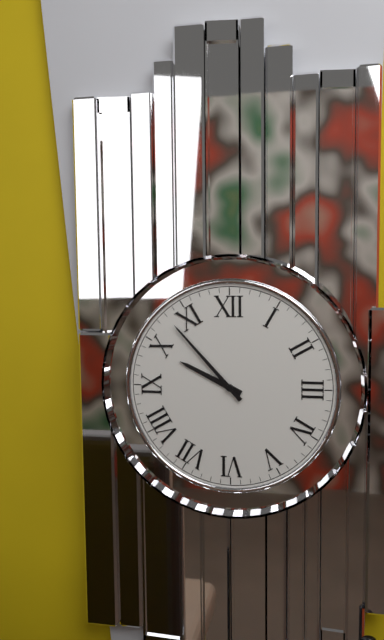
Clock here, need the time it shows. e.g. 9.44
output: 9.53
